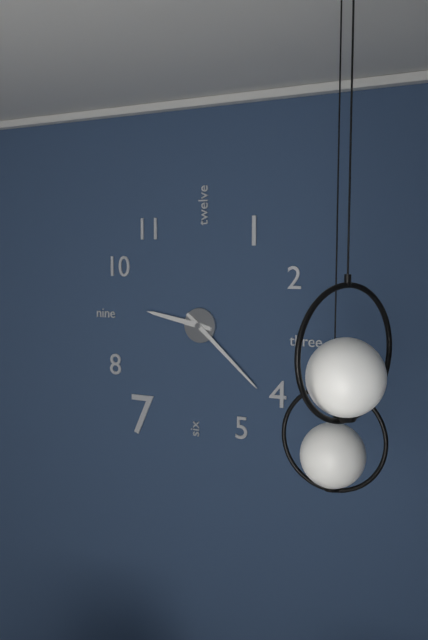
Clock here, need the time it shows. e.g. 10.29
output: 9.22
